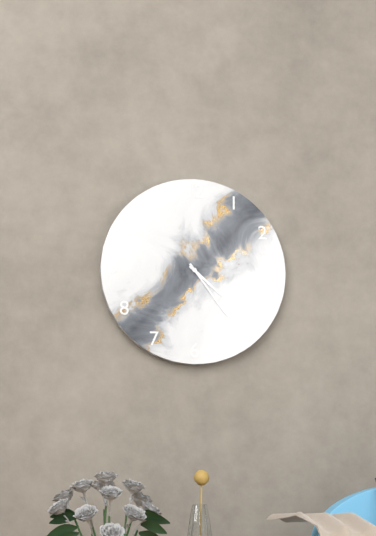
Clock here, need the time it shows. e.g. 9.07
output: 4.24
